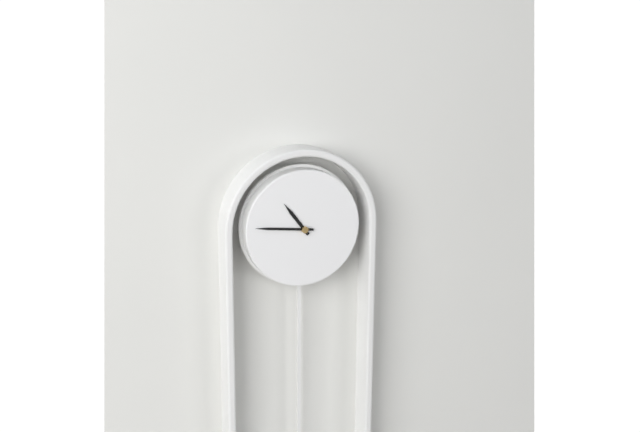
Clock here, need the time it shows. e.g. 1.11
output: 10.46
